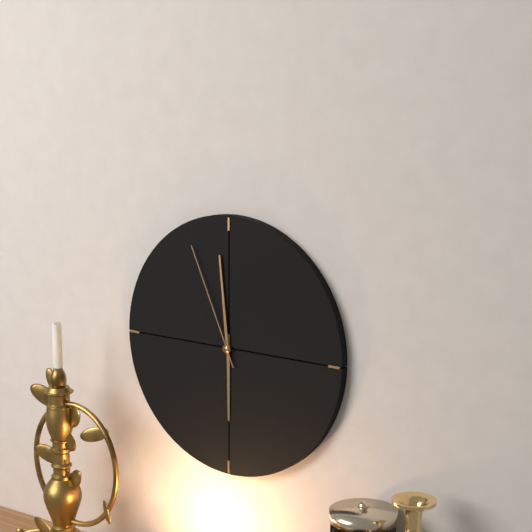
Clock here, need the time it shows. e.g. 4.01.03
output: 5.59.56
